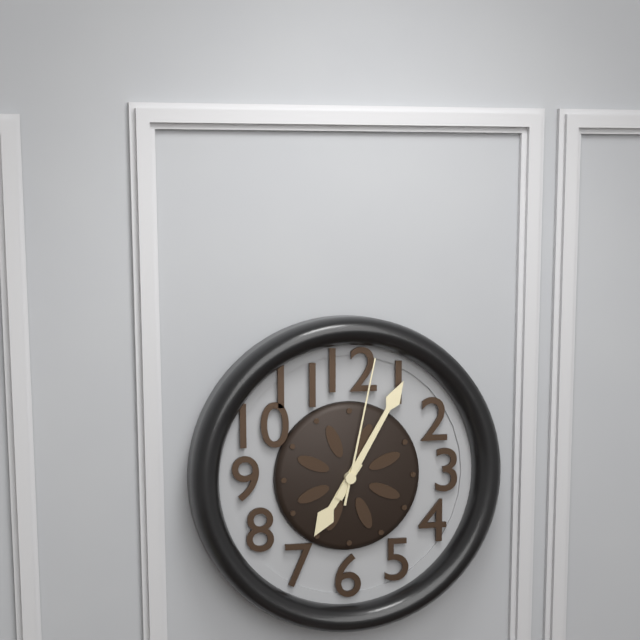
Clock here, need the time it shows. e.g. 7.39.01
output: 7.05.02
